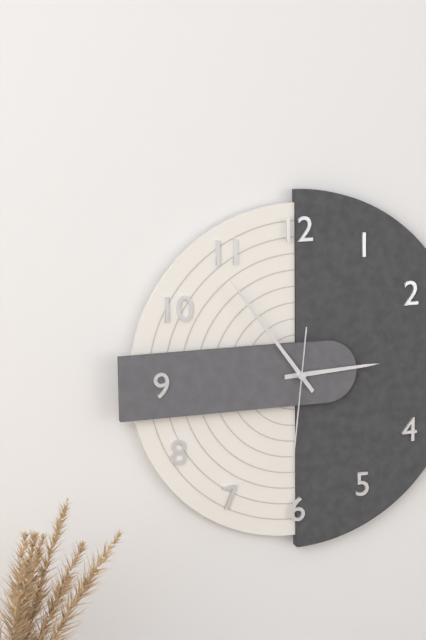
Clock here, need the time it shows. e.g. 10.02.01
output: 2.54.31
